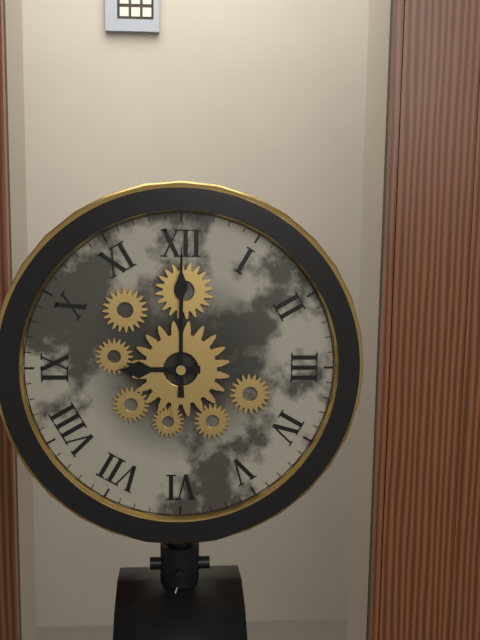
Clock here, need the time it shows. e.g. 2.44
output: 9.00
